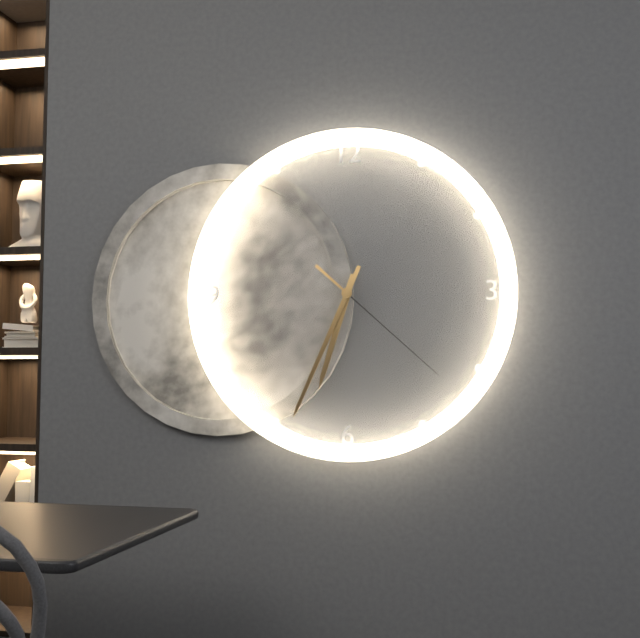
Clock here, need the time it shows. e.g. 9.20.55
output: 6.34.22
